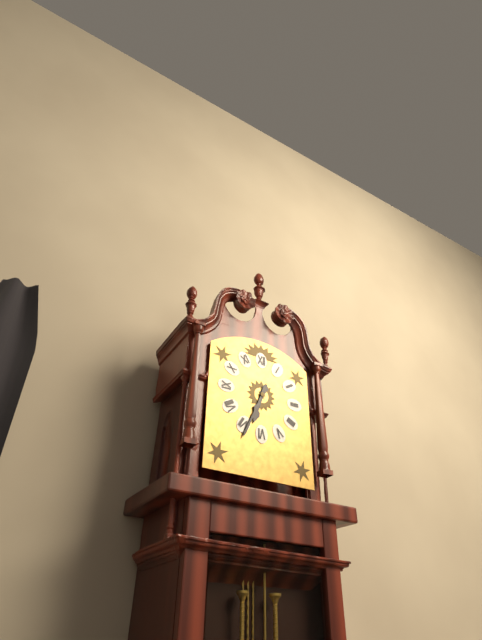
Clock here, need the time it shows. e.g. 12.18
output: 6.34
